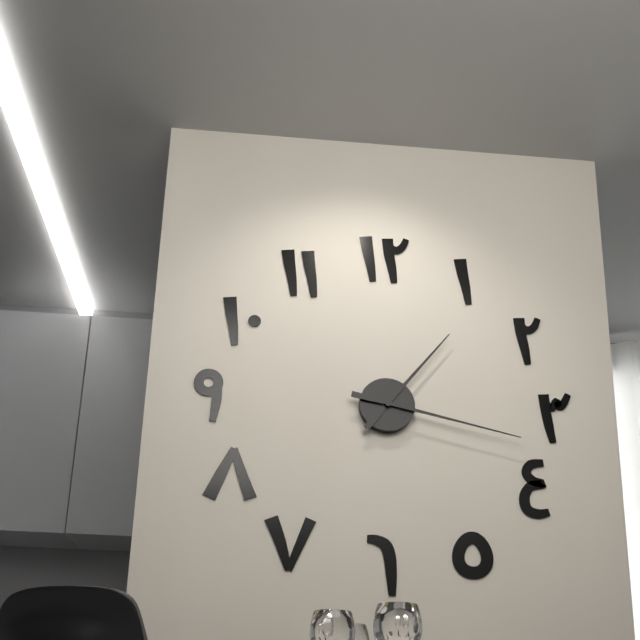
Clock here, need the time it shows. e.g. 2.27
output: 1.17
